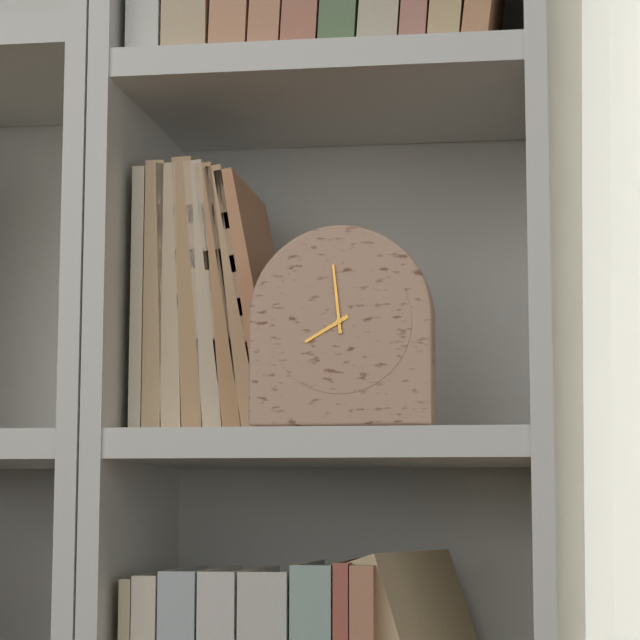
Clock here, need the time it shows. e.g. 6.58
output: 7.59
